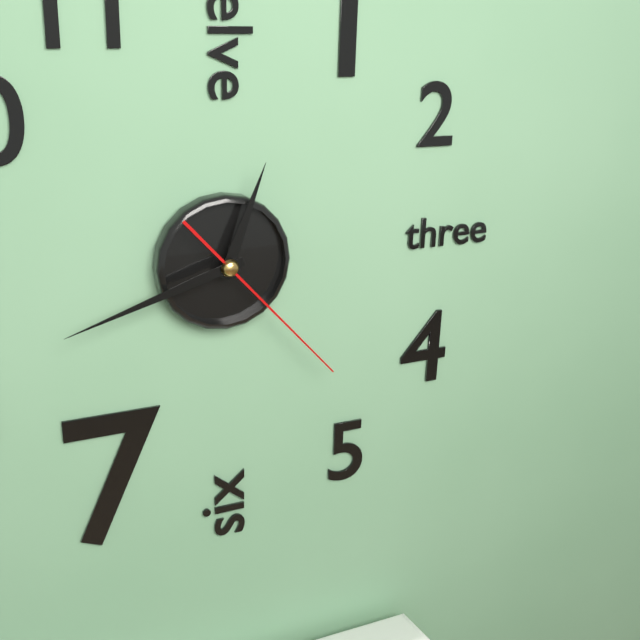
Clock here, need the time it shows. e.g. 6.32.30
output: 12.42.23
